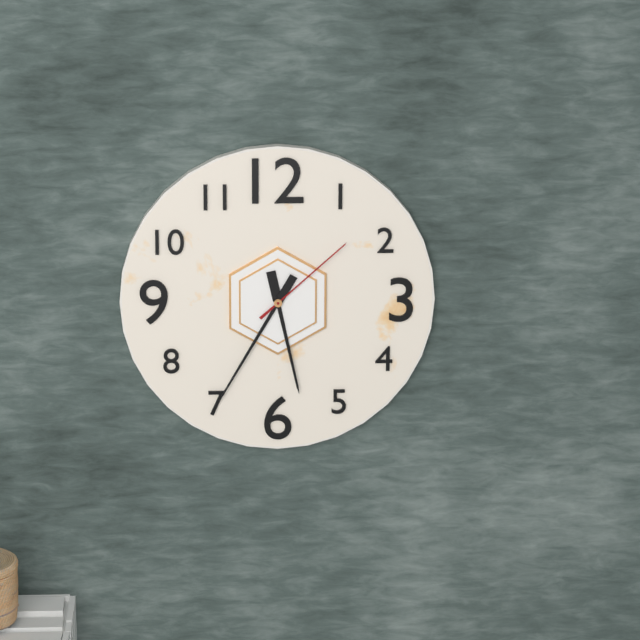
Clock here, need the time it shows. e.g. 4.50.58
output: 5.35.08
